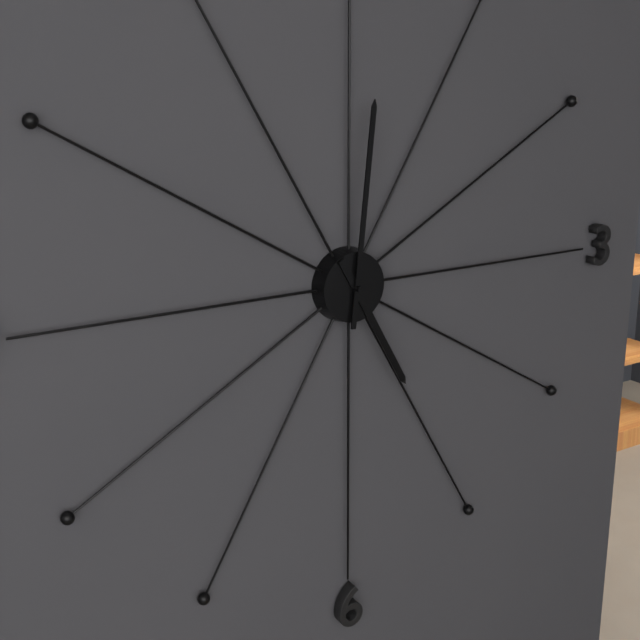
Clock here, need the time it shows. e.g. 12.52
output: 5.01
